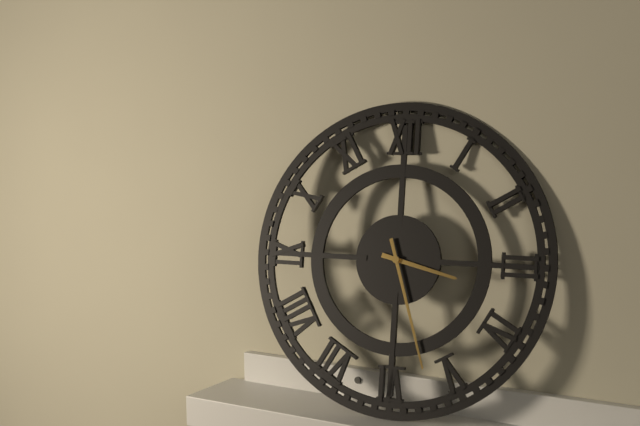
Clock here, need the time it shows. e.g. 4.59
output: 3.27
